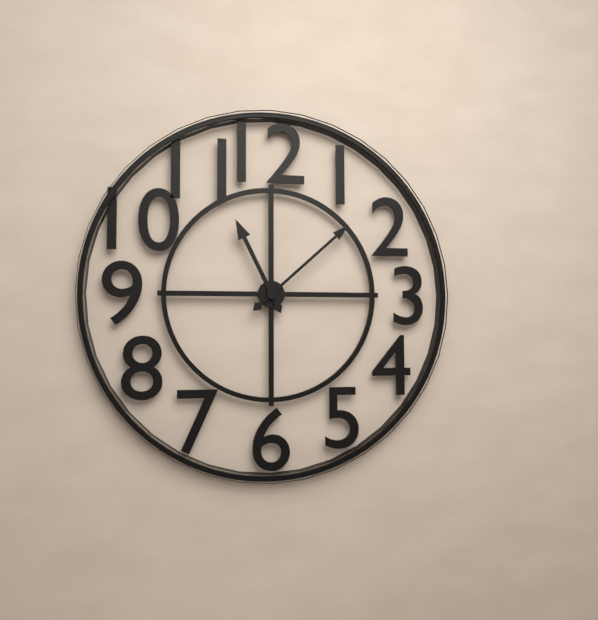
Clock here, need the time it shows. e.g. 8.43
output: 11.08
